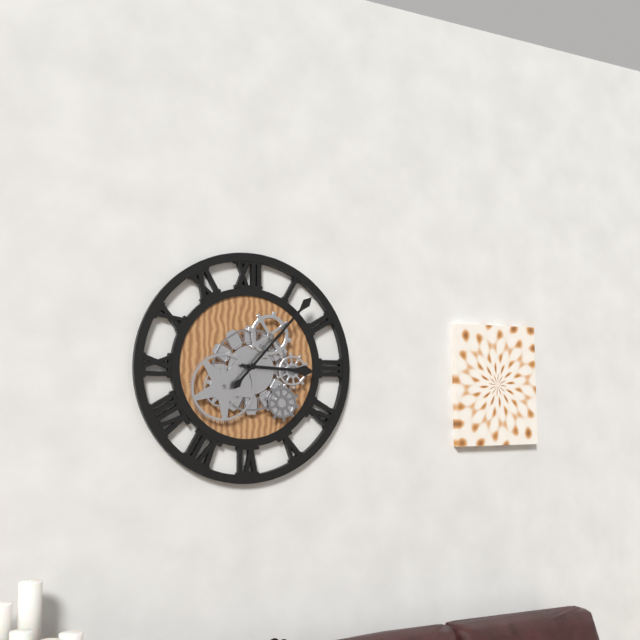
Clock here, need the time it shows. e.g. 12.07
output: 3.07
